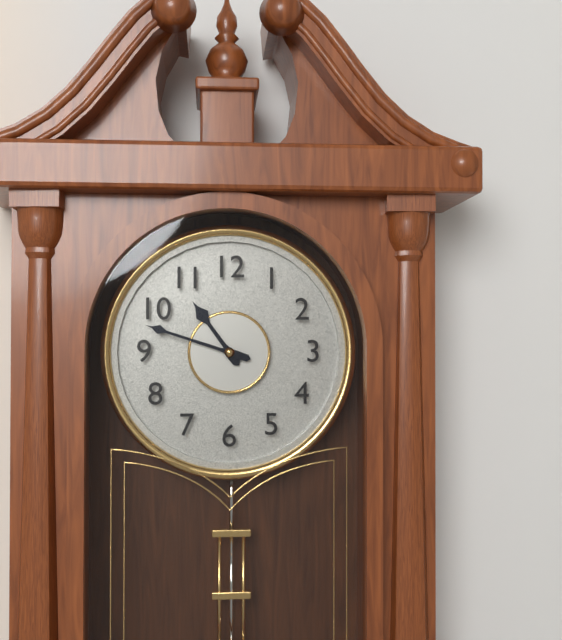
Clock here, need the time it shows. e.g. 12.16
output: 10.48
